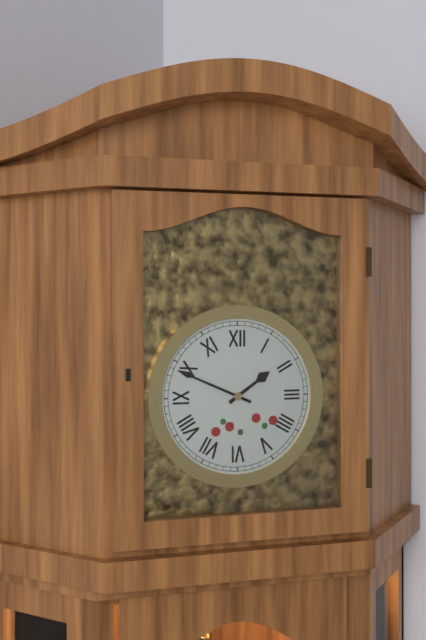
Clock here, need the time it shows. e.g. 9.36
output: 1.49
